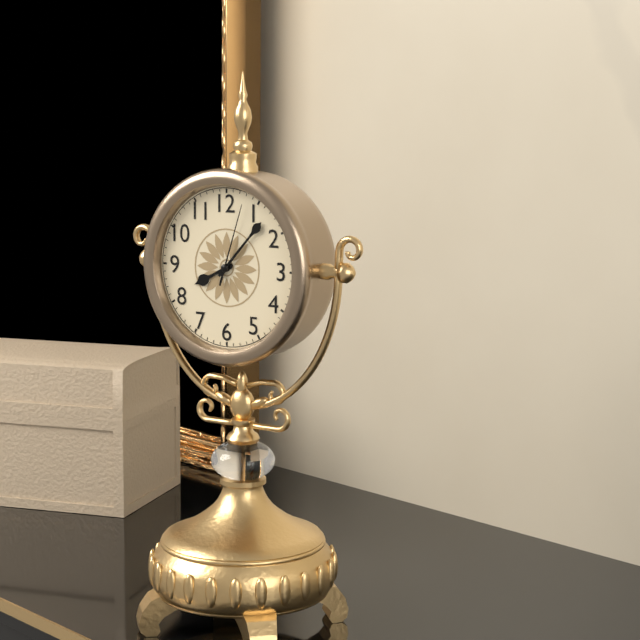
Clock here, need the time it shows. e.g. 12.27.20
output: 8.07.03
